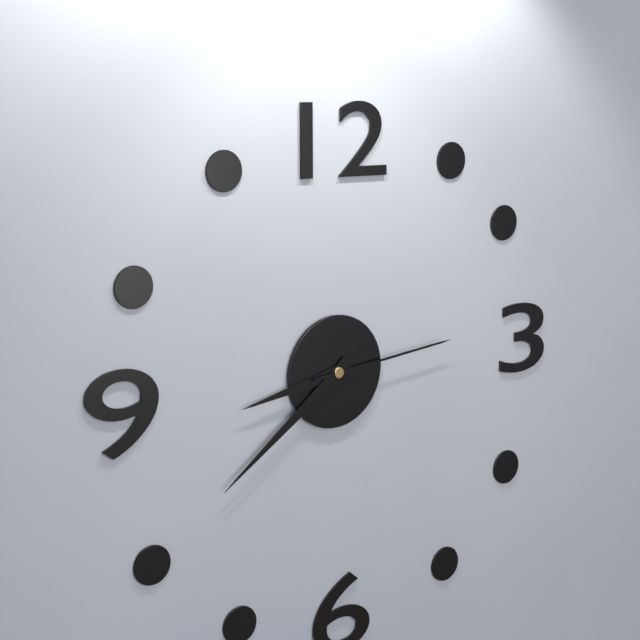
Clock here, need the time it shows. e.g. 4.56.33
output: 8.39.14
